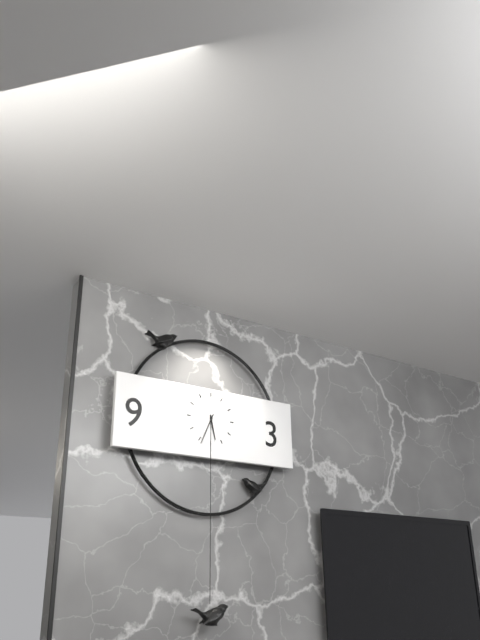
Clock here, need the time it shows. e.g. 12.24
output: 5.34
